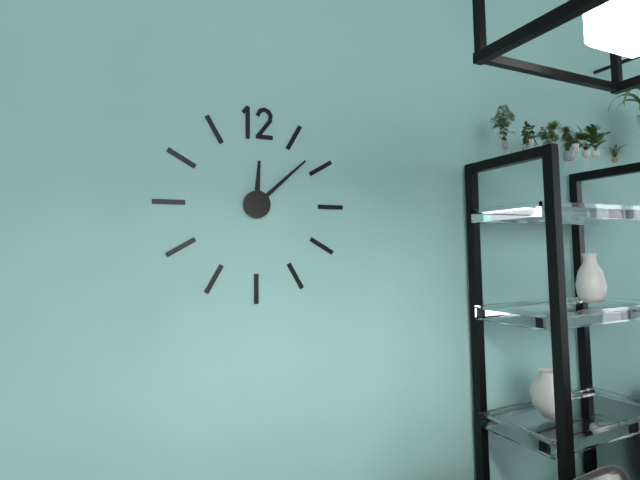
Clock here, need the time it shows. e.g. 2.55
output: 12.08
